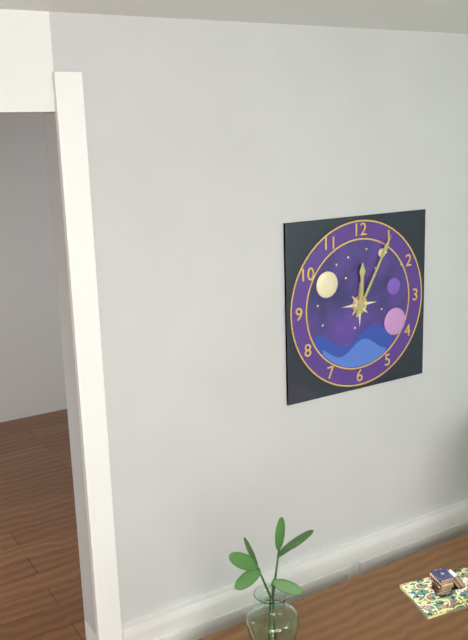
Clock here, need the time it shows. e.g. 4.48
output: 12.05
